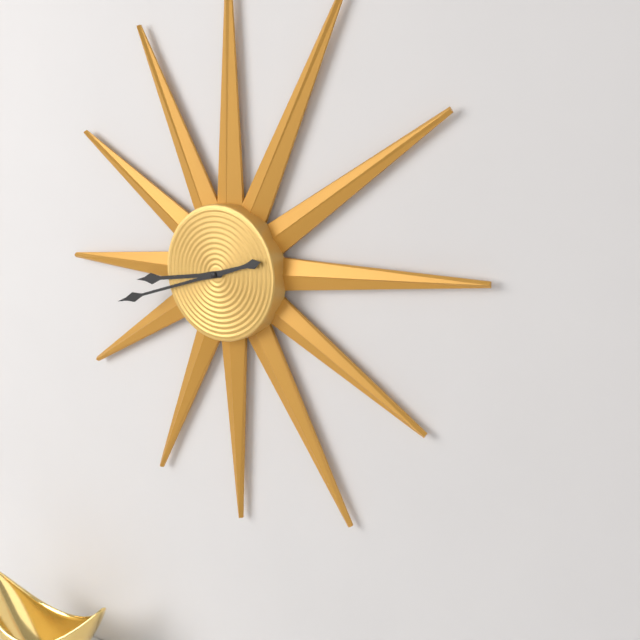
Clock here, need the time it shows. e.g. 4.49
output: 8.42
